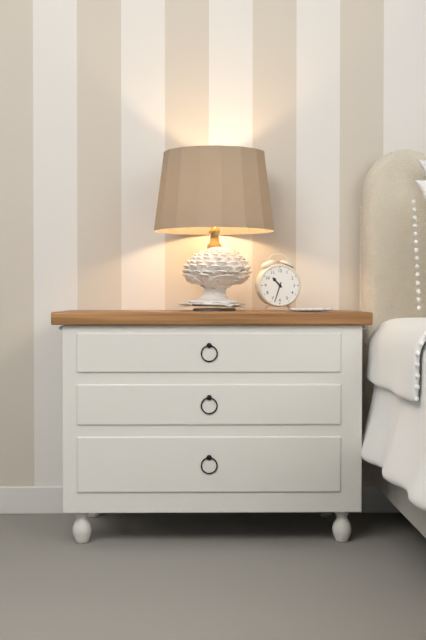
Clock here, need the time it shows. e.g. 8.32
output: 10.33
